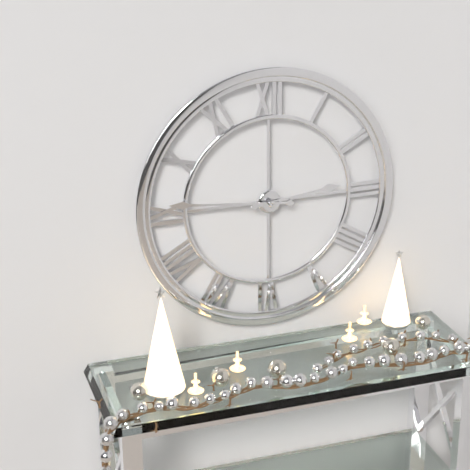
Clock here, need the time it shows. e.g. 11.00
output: 2.46
